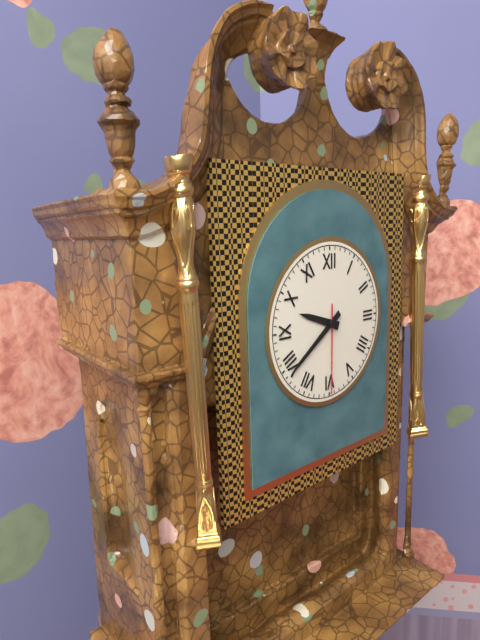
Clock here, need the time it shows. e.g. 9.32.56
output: 9.39.30
